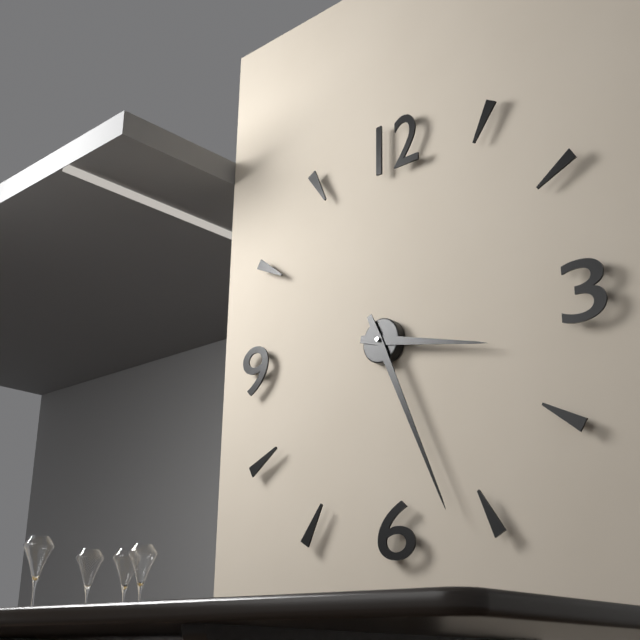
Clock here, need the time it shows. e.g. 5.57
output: 3.26
